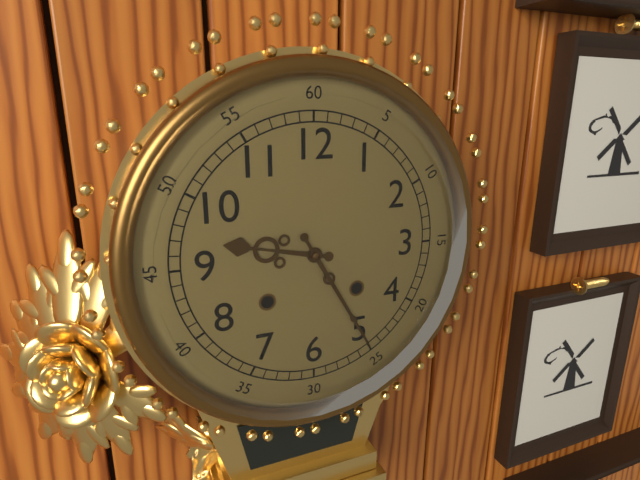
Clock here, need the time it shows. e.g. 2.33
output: 9.25
